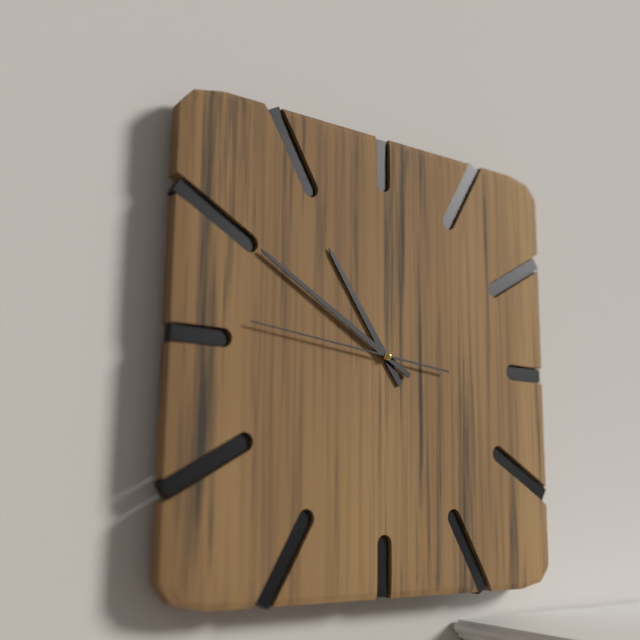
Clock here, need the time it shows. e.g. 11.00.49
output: 10.50.46
